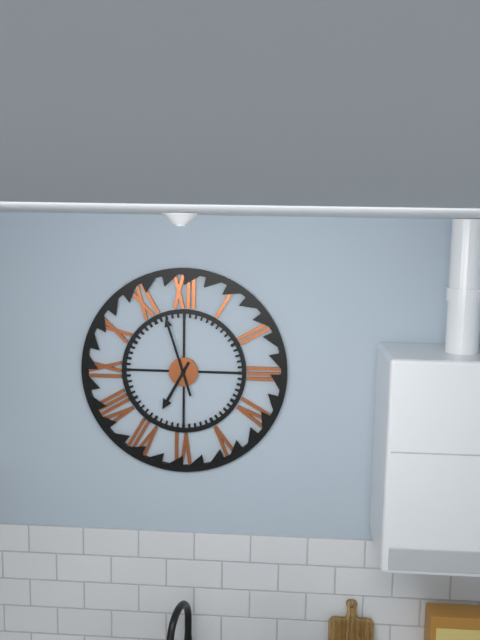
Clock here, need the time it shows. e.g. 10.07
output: 6.57
